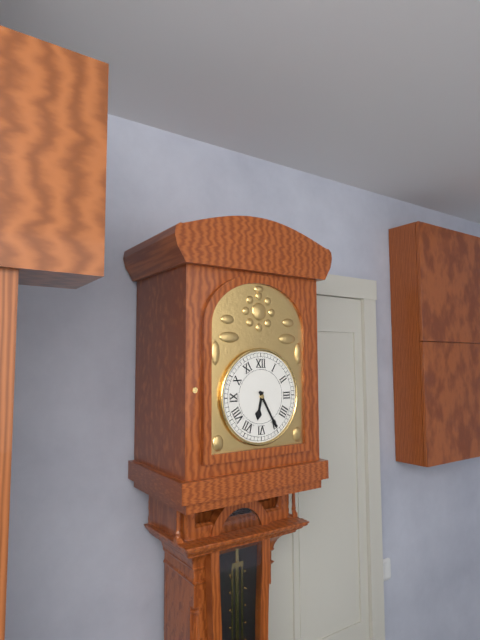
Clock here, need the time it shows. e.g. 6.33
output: 6.25
